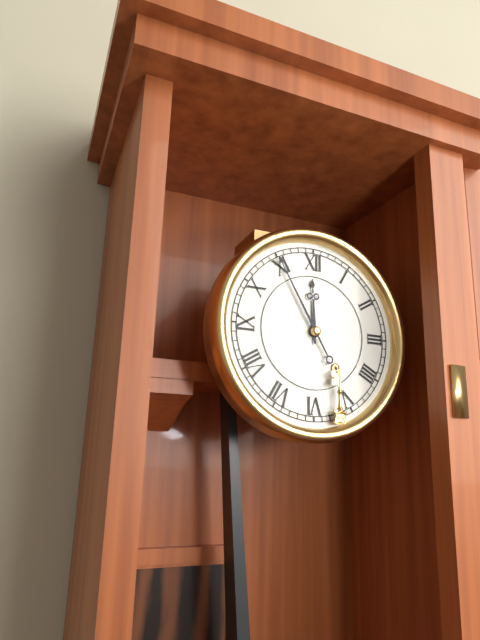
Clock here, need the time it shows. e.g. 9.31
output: 11.55
